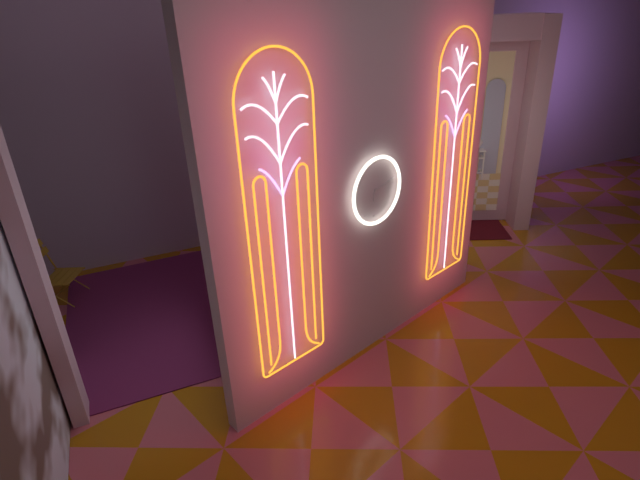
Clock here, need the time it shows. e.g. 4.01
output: 6.13
